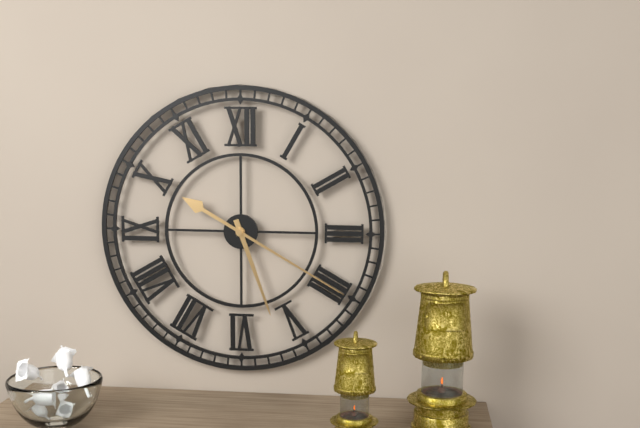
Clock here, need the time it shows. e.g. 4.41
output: 5.20
